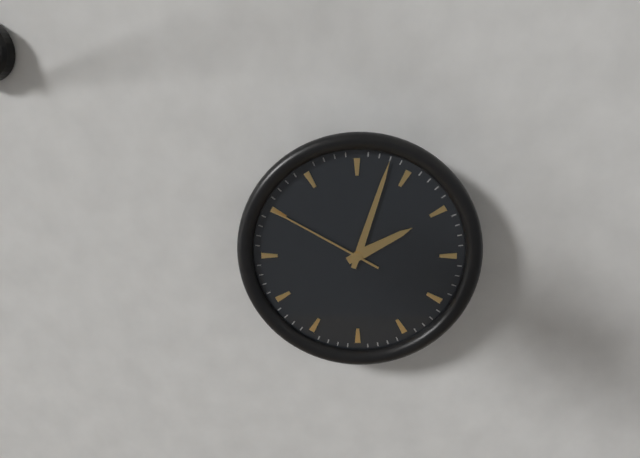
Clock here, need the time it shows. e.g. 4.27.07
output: 2.03.50
